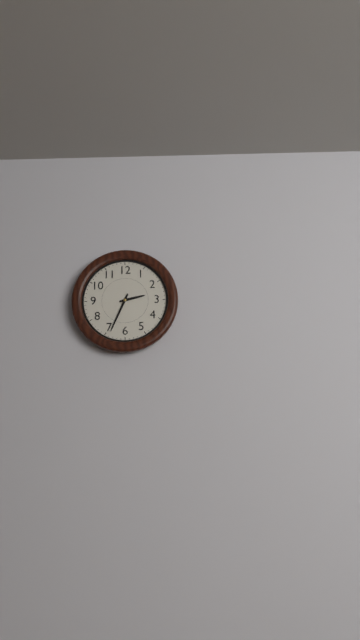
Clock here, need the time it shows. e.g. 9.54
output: 2.34
